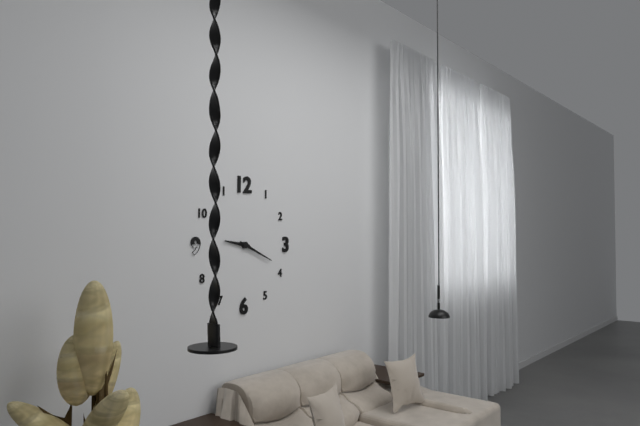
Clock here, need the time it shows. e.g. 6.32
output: 9.19
